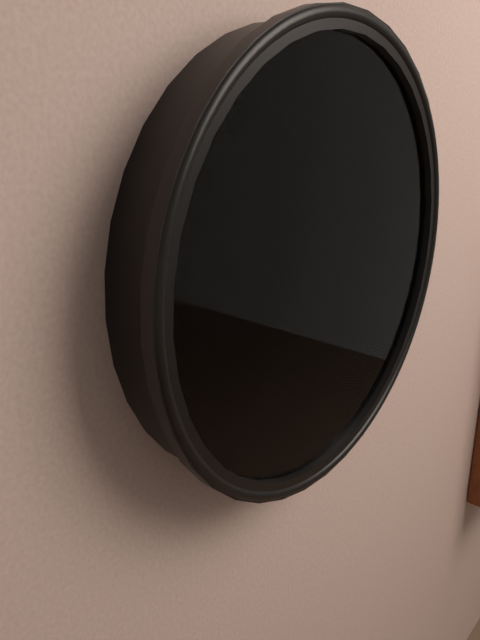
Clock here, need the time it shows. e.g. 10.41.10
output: 7.38.42
